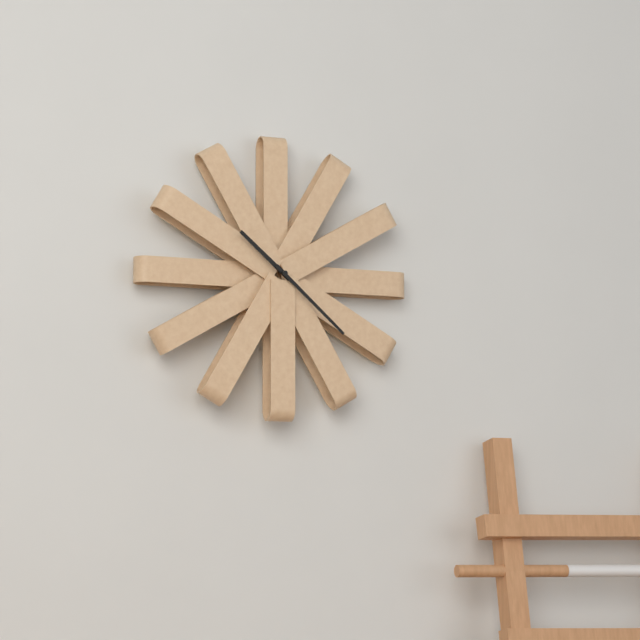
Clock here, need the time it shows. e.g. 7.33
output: 10.22
